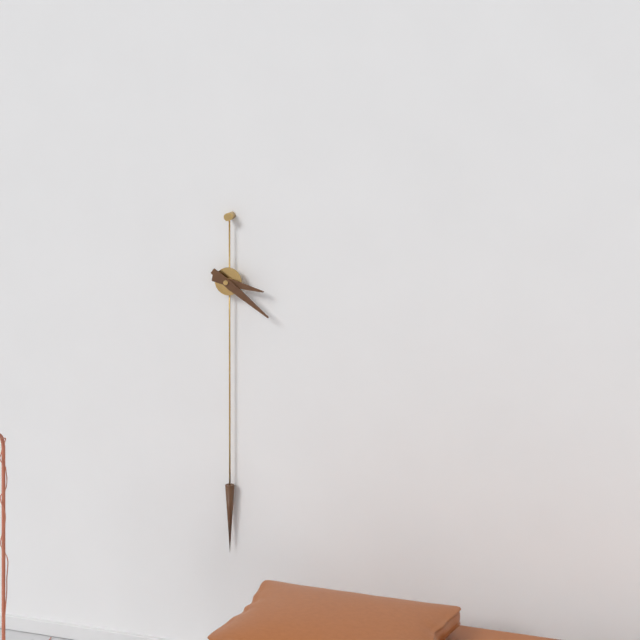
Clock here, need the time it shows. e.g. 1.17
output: 3.21
